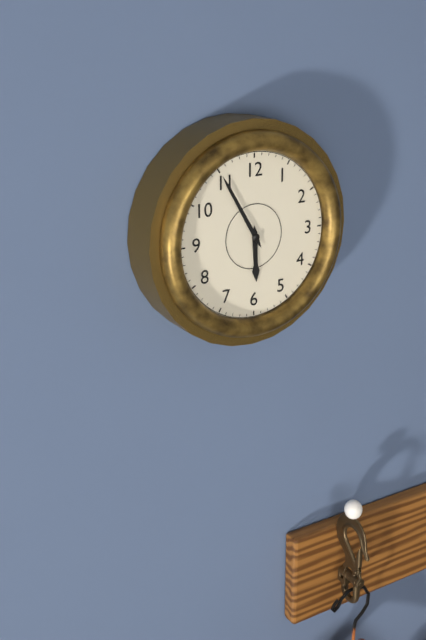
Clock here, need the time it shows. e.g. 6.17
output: 5.55
